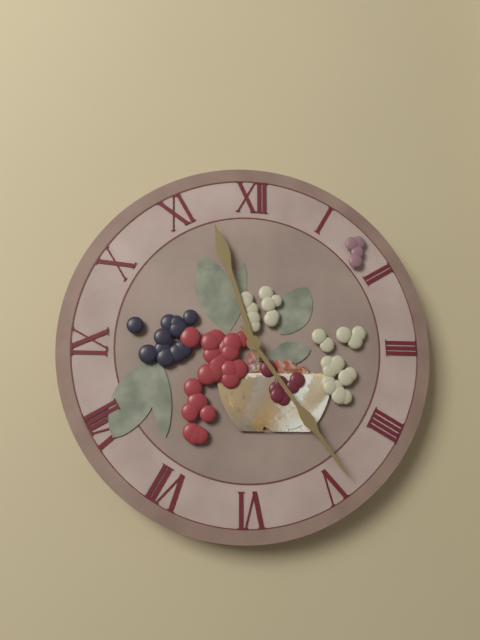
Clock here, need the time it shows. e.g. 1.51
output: 11.24
